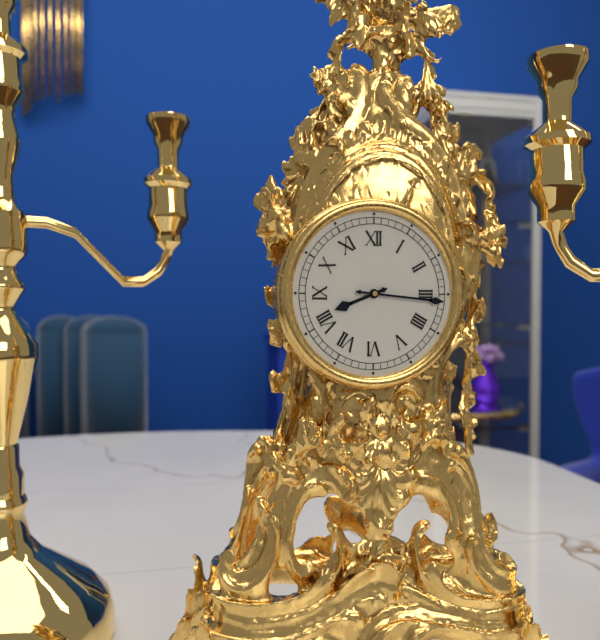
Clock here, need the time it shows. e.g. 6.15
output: 8.16
